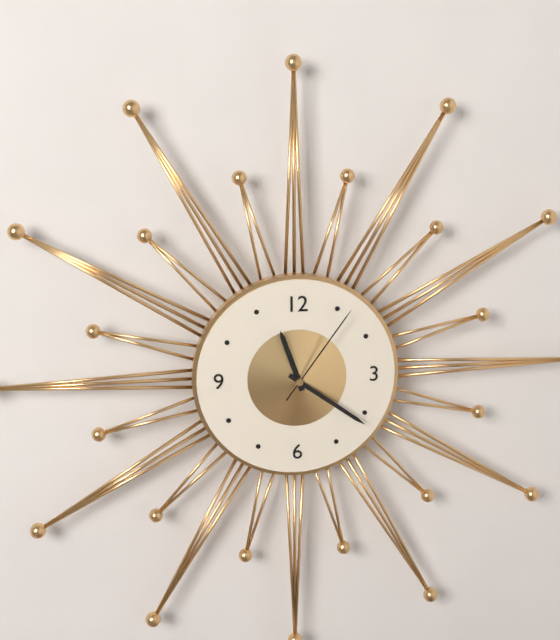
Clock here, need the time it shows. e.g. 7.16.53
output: 11.21.06
